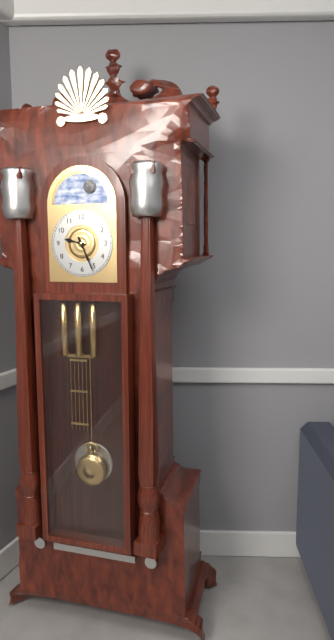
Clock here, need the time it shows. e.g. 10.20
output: 9.26
